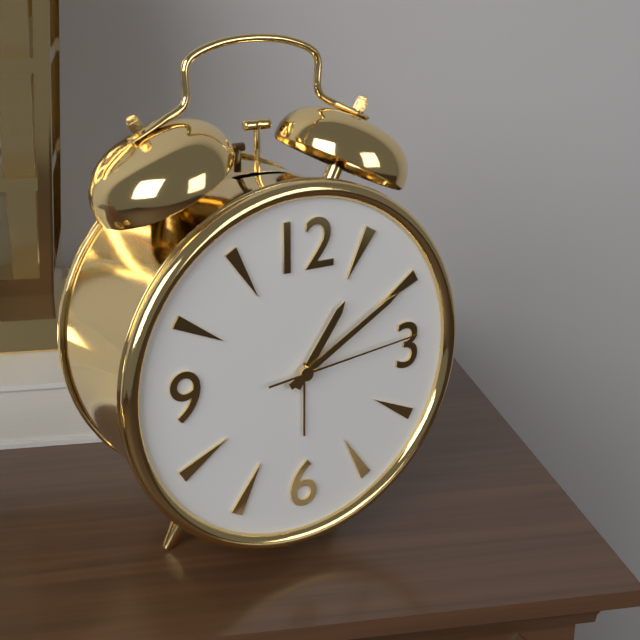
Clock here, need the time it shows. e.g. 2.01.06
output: 1.10.14
